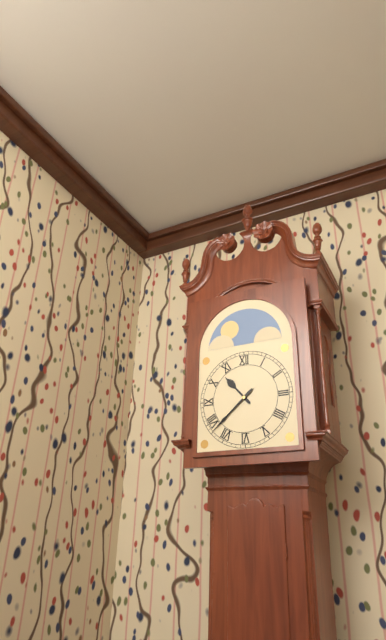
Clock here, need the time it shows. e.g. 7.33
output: 10.38
